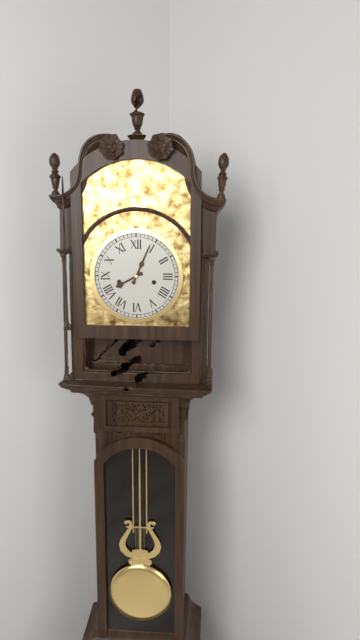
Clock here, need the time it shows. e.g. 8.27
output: 8.04
